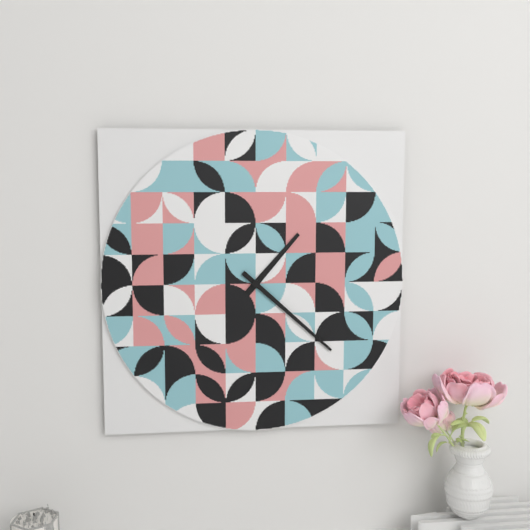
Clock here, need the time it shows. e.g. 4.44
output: 1.22
